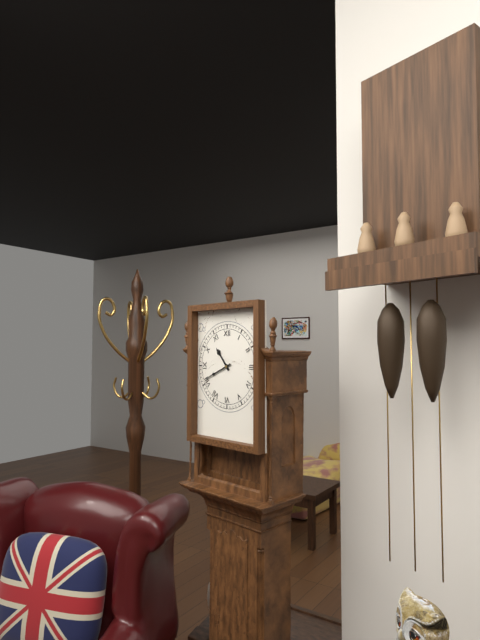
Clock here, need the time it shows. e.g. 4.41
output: 10.41
